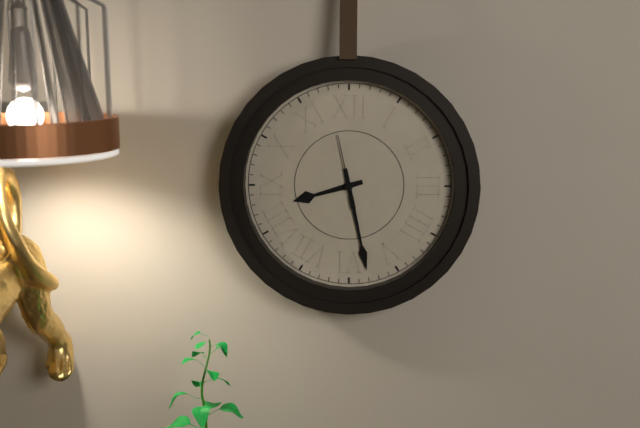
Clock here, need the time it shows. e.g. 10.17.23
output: 8.28.58
